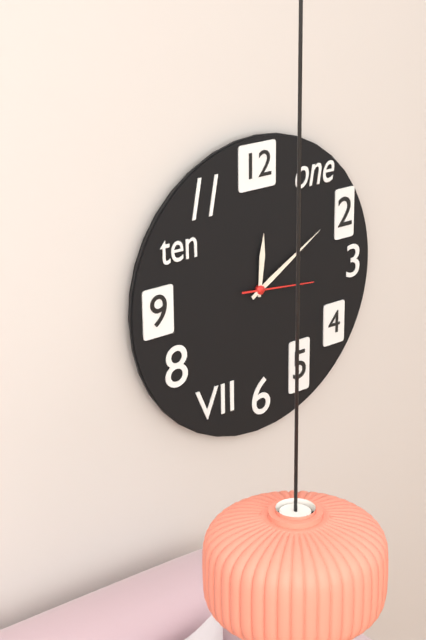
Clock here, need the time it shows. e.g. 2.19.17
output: 12.10.16
